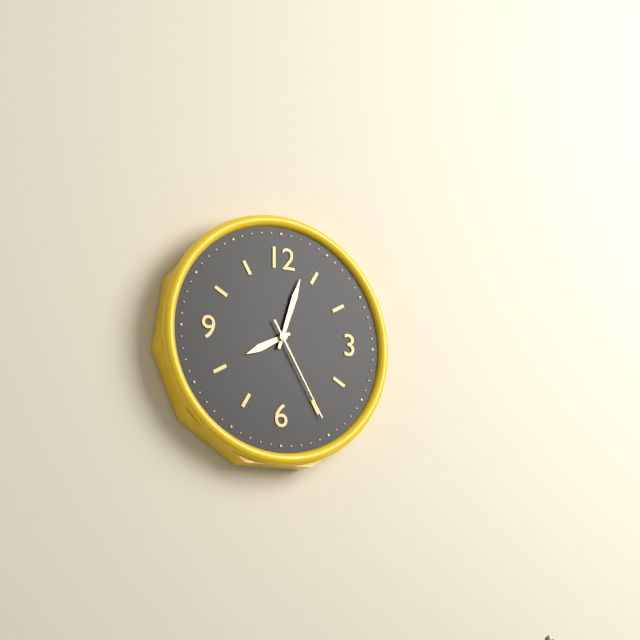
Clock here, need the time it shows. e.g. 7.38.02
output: 8.03.25
